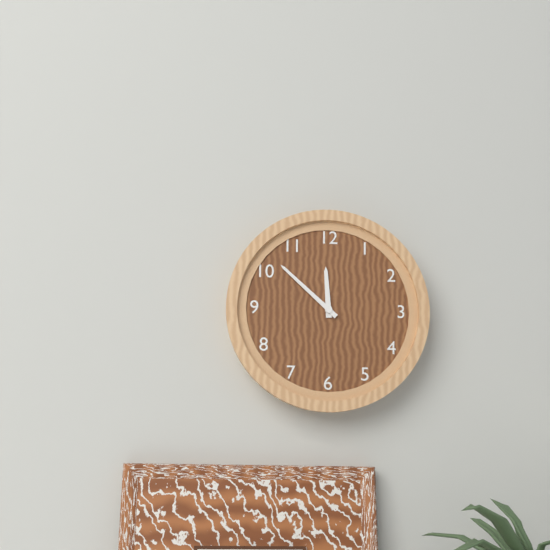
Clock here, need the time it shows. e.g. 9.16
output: 11.52
